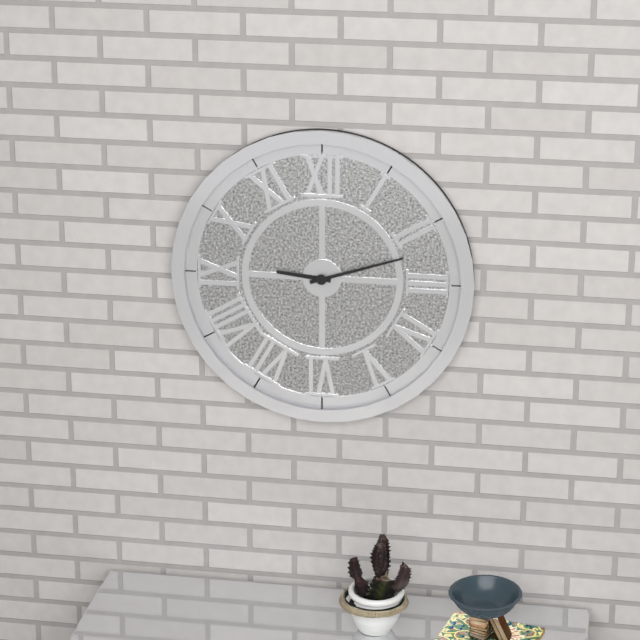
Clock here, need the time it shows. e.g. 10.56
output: 9.12
